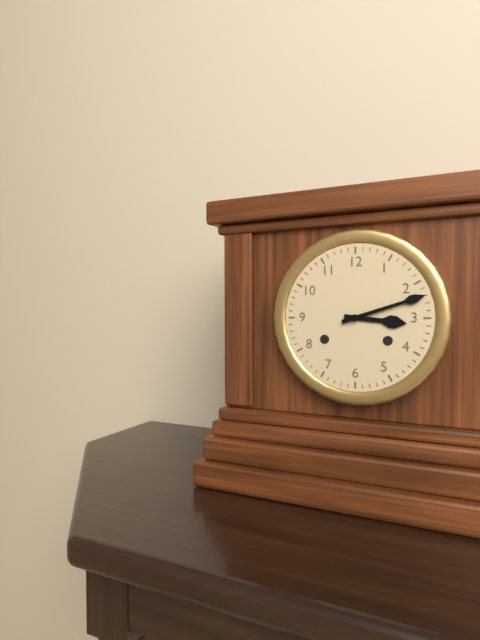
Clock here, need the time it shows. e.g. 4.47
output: 3.12
